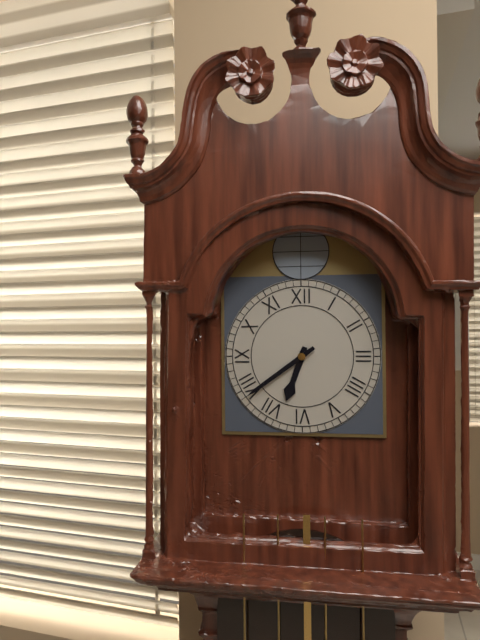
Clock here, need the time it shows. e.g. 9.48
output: 6.39
